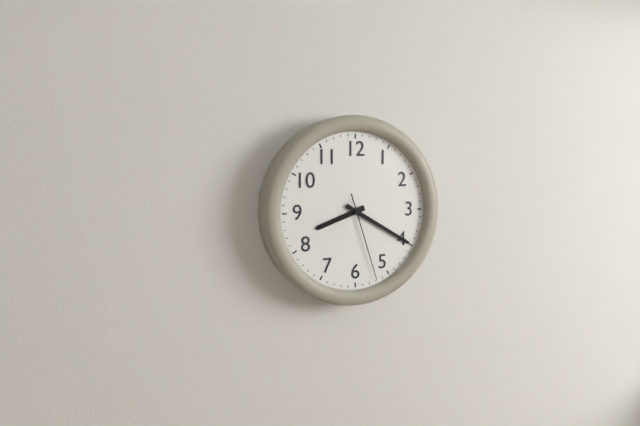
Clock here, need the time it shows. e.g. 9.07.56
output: 8.20.27
